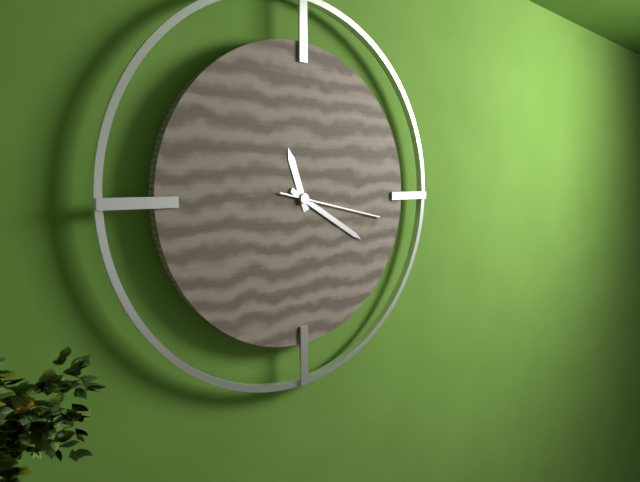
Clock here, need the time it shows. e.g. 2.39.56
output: 11.20.17
